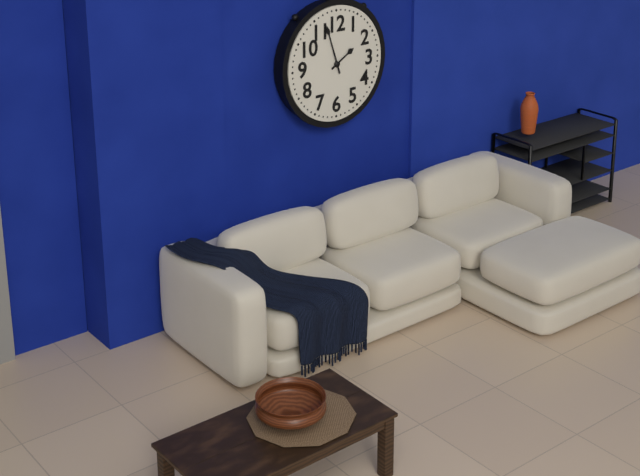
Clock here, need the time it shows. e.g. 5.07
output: 1.57
